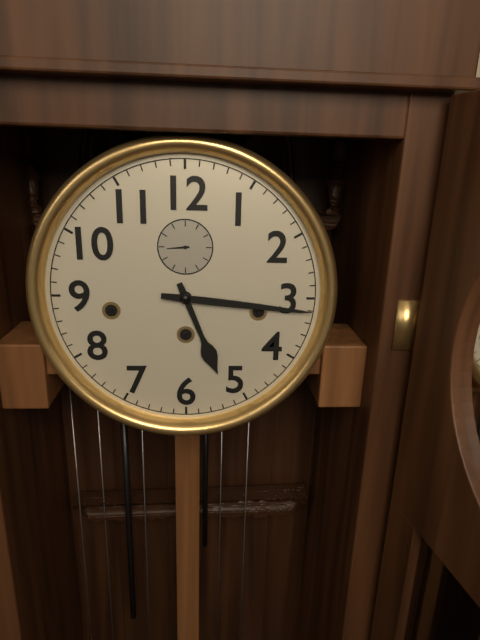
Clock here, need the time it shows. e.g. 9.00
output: 5.16
